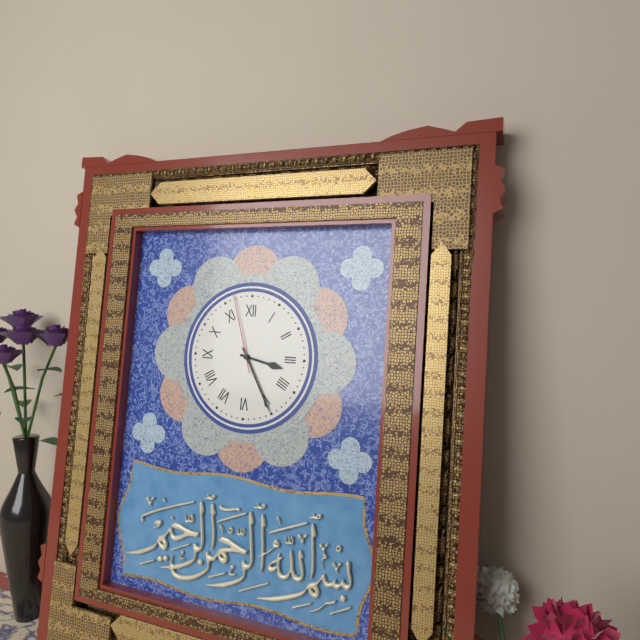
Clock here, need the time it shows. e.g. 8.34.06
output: 3.25.57
